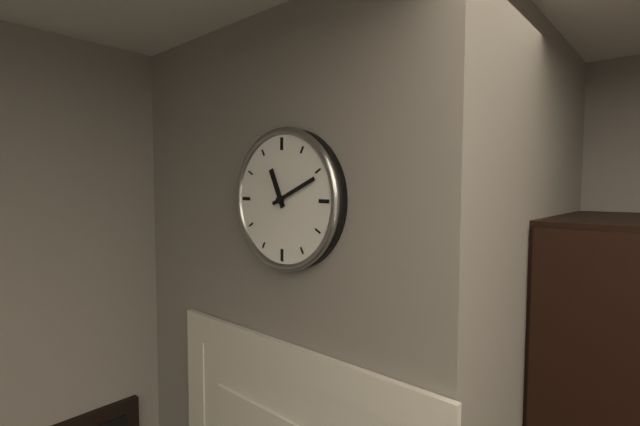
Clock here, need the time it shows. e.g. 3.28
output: 11.11
